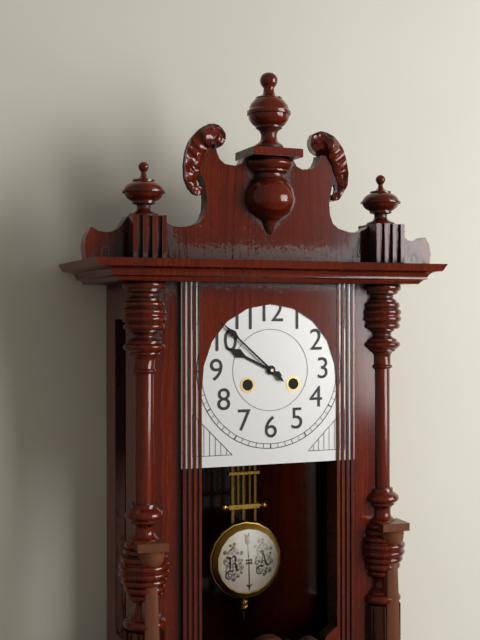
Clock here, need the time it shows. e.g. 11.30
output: 9.52
